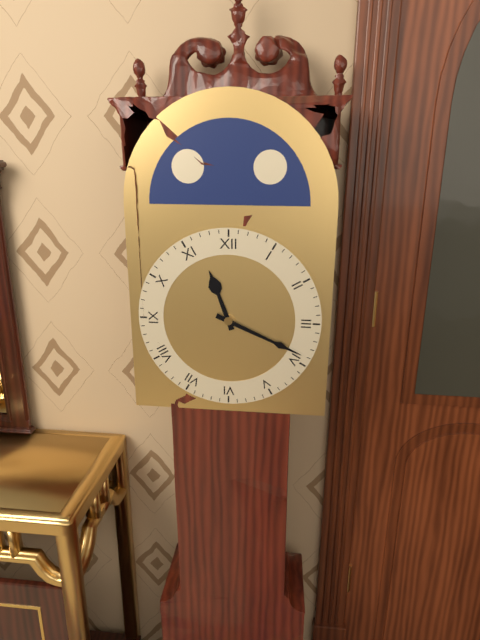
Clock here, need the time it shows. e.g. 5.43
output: 11.19
